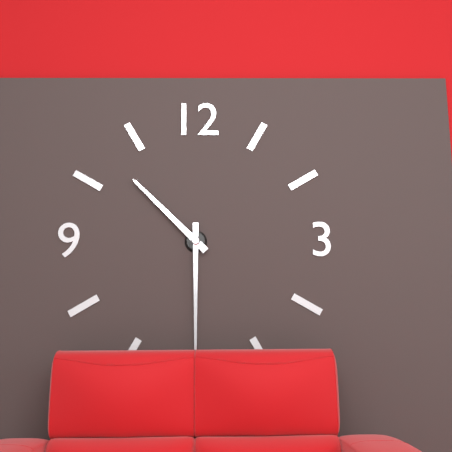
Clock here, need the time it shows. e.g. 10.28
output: 10.30
